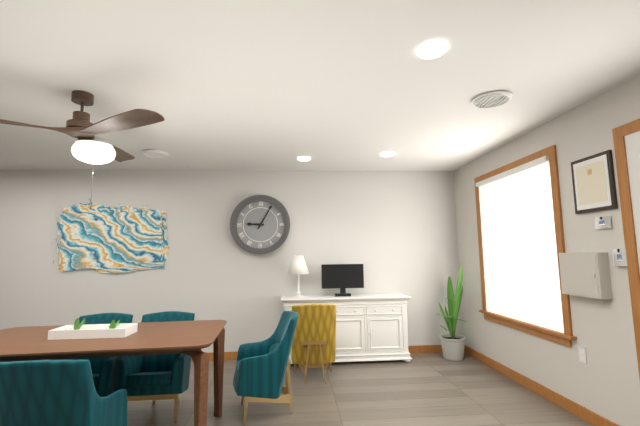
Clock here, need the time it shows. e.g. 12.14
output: 9.05
